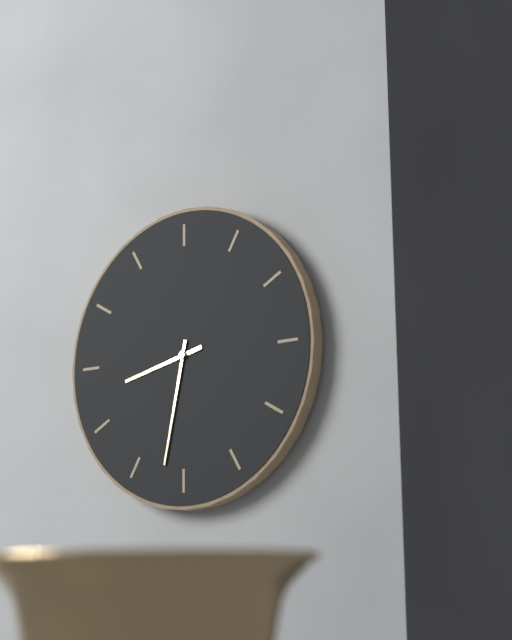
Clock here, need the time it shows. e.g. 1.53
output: 8.32
